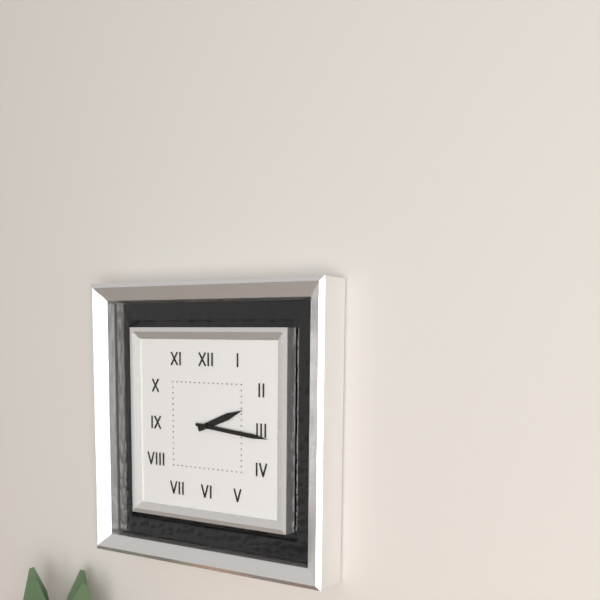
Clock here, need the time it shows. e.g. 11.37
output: 2.16
